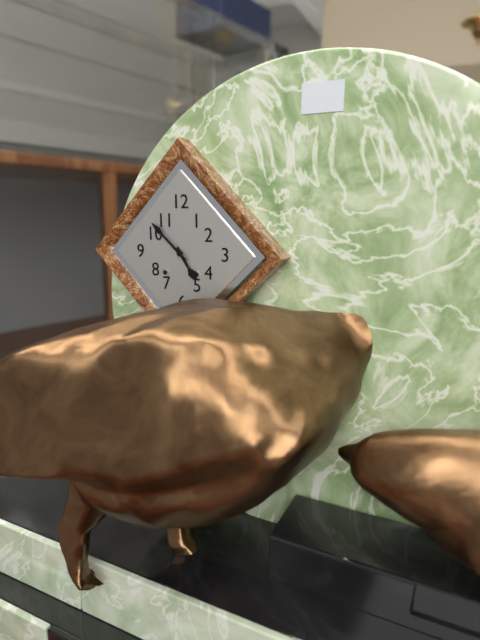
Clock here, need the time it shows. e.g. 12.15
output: 4.52
